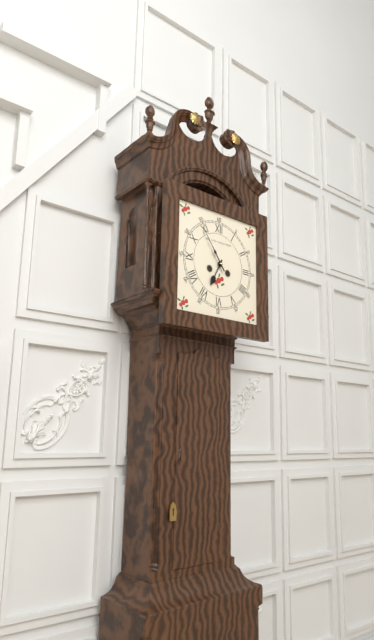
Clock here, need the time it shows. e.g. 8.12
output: 6.54
